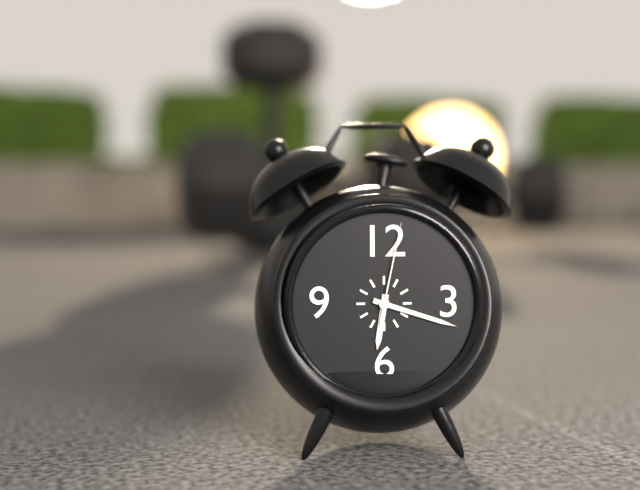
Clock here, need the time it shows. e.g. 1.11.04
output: 6.18.02
